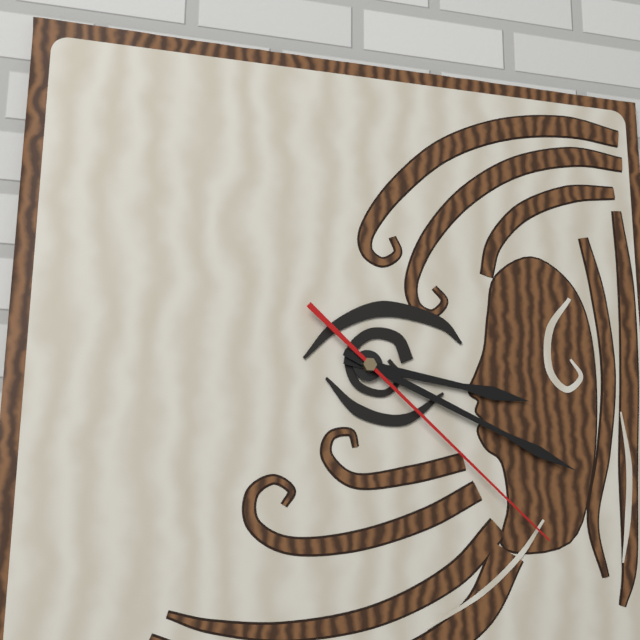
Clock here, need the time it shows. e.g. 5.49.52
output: 3.19.22
